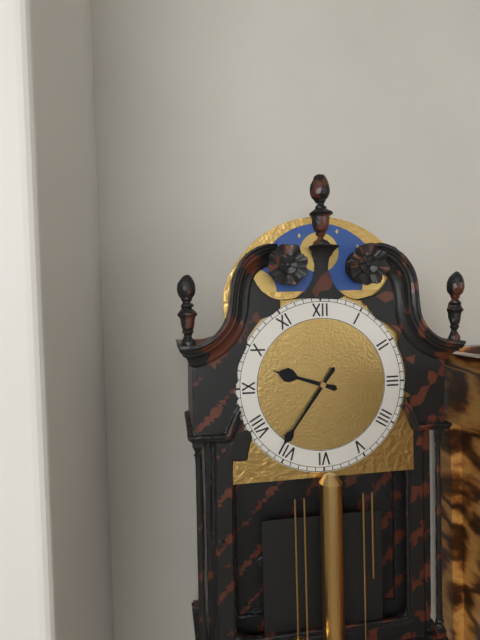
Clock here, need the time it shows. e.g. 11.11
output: 9.36
